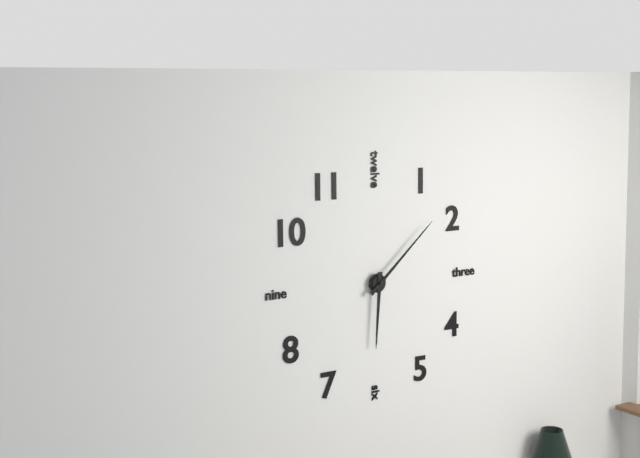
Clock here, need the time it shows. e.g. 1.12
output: 6.08
